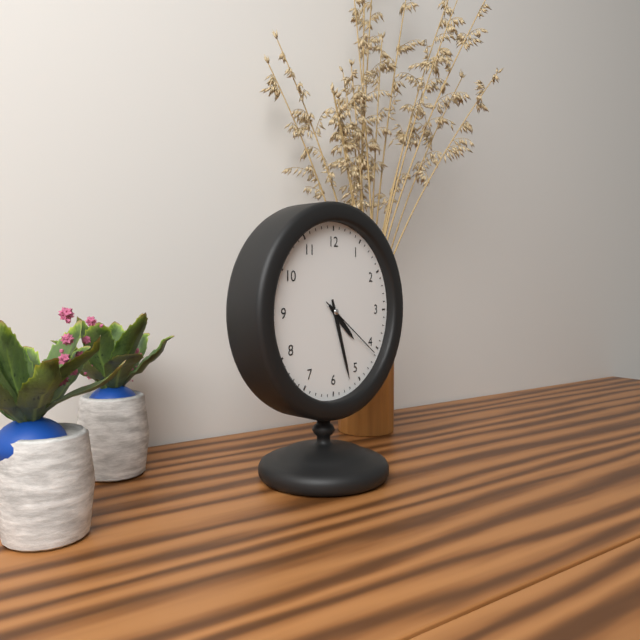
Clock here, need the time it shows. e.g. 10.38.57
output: 4.27.21
